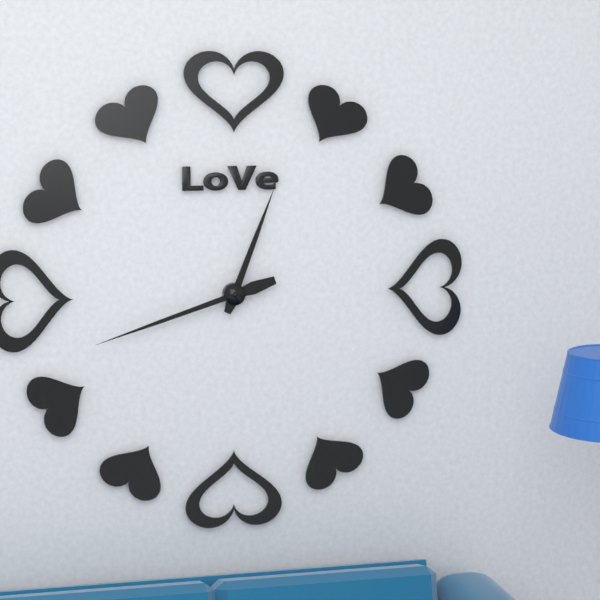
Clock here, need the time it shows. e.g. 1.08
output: 12.42
